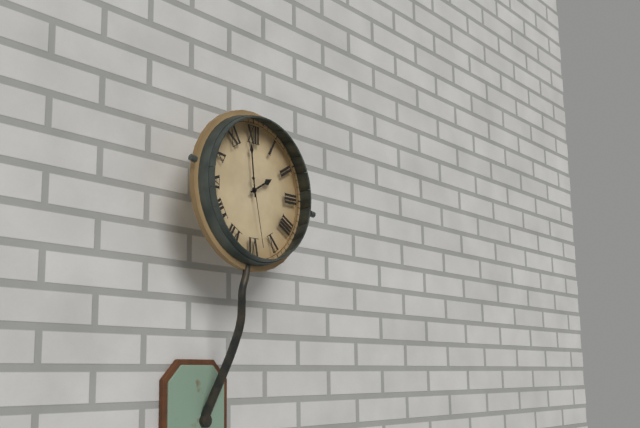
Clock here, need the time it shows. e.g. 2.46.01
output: 1.59.28
